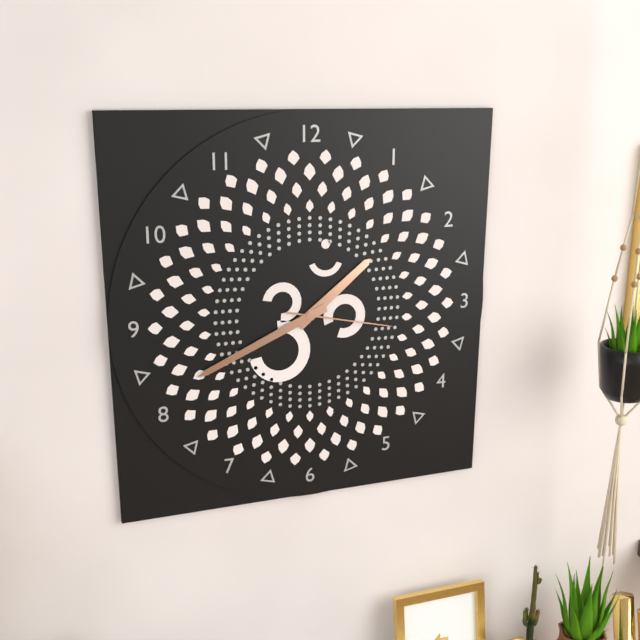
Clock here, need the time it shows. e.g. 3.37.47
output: 1.41.17
